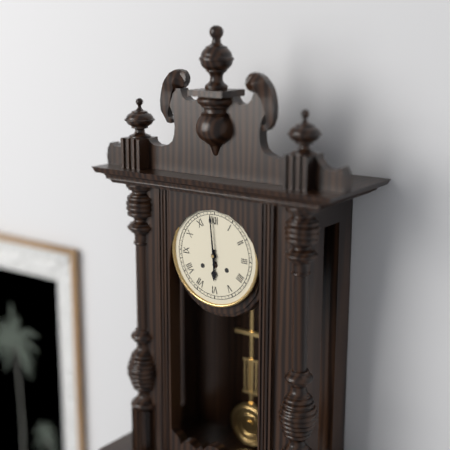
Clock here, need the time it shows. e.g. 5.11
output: 5.59
